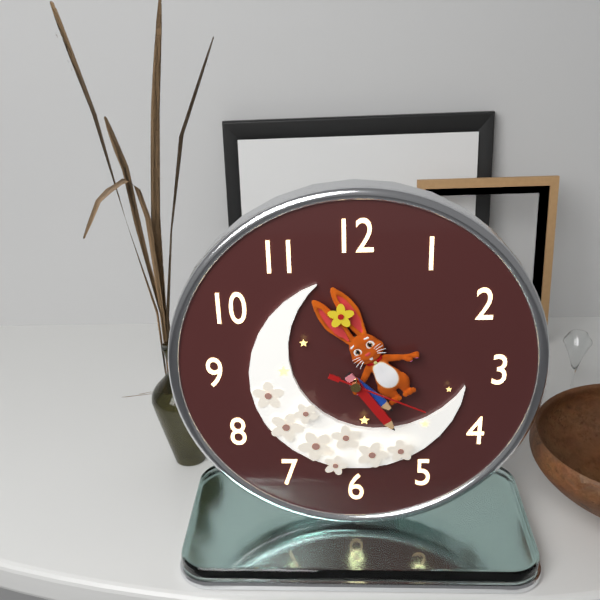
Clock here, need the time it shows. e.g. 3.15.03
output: 4.24.19
